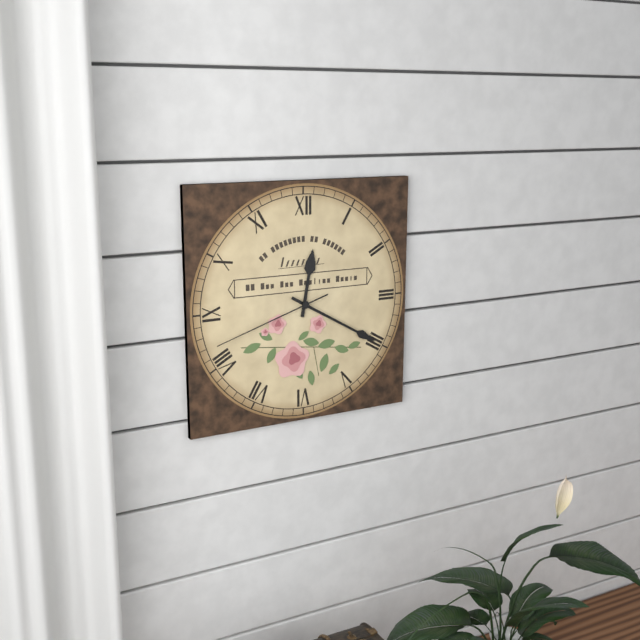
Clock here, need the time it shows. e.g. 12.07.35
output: 12.20.42
